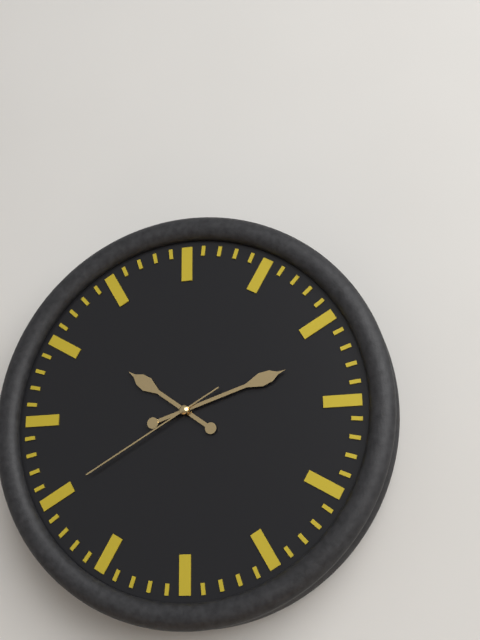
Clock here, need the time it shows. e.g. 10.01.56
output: 10.12.40
